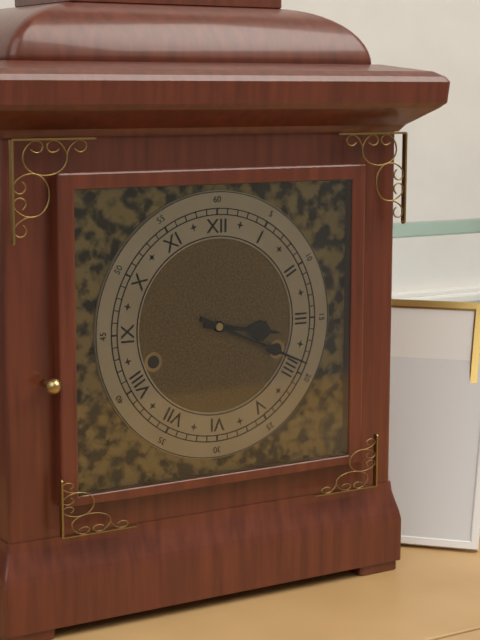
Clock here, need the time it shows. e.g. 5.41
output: 3.19
